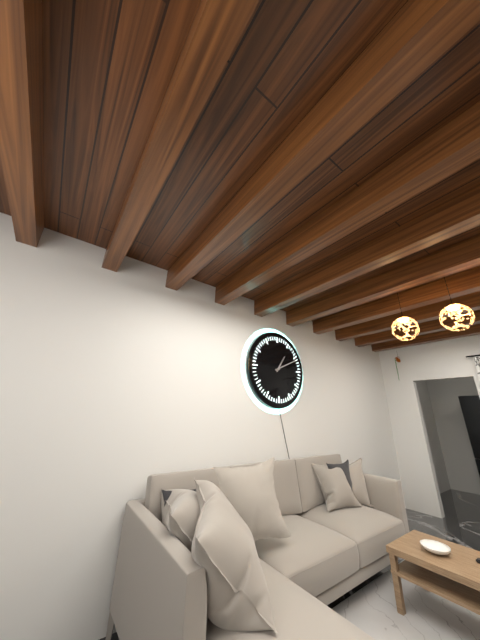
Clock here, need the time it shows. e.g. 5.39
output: 1.11
